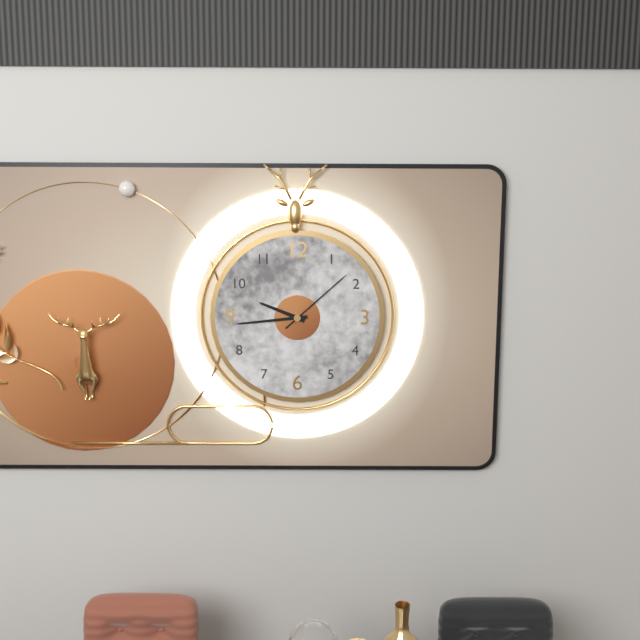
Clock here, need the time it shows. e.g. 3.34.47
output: 9.44.08
